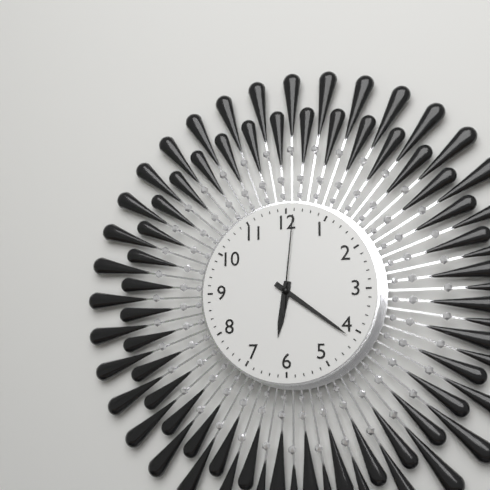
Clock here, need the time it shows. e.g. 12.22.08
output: 6.21.01
